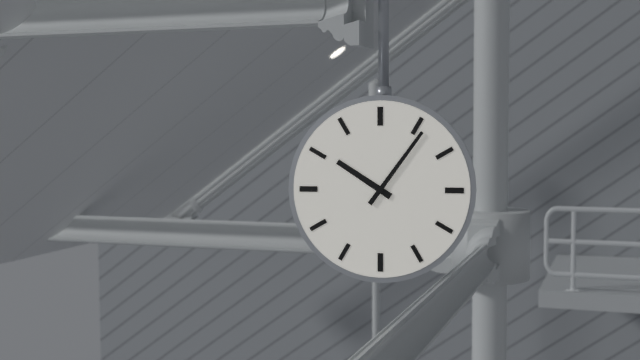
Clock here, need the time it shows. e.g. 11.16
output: 10.06
